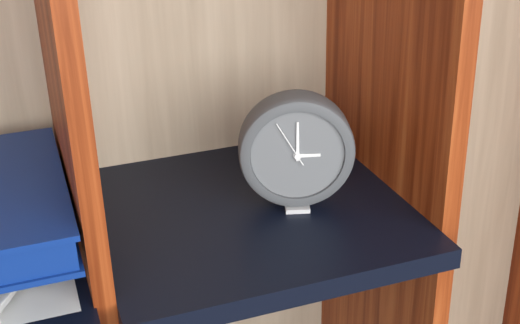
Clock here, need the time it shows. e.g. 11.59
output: 3.00
